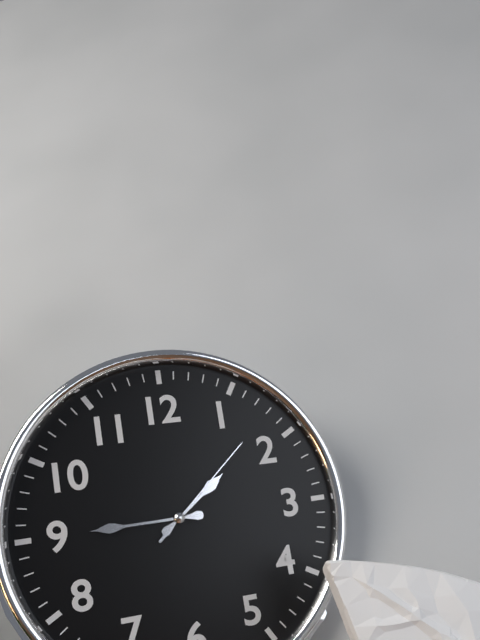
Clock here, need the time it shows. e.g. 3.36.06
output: 1.45.08
